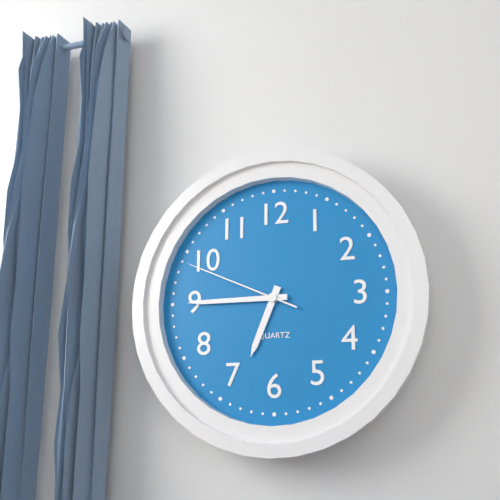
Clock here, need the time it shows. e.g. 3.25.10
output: 6.45.49
